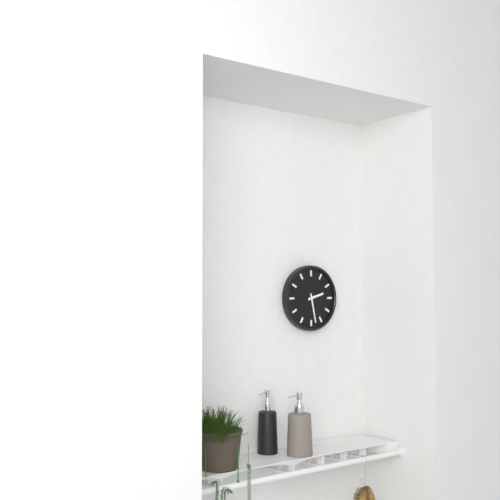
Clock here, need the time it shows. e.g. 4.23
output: 2.28
